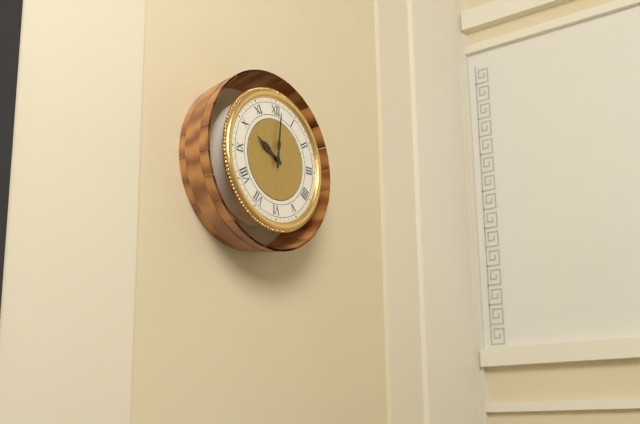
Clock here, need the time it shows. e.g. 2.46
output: 10.01
